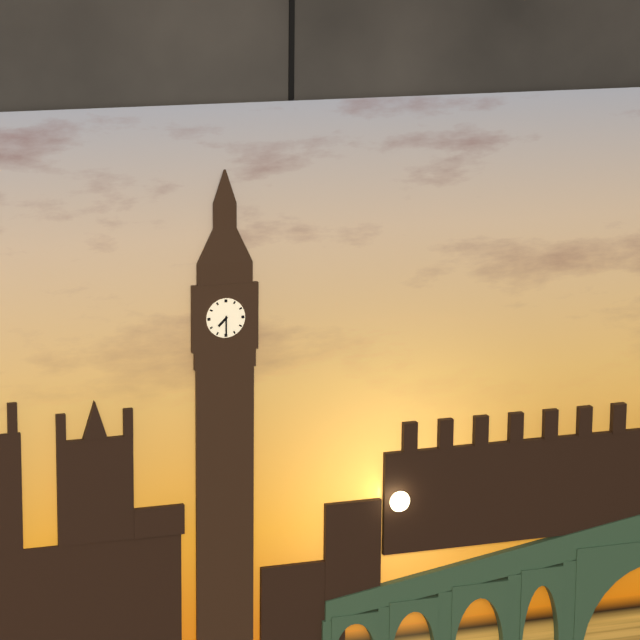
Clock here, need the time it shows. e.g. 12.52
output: 7.30
